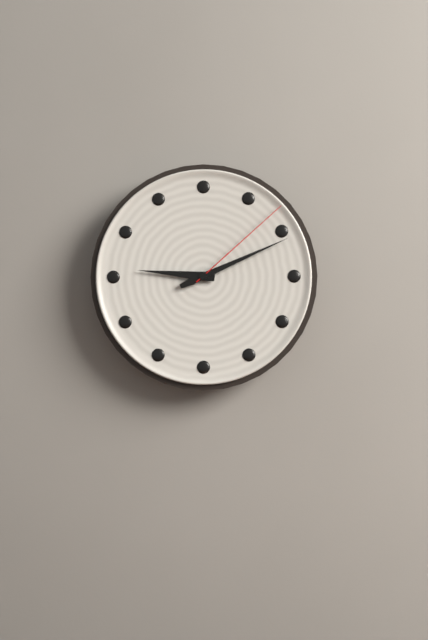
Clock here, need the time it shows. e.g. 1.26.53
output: 9.11.08
